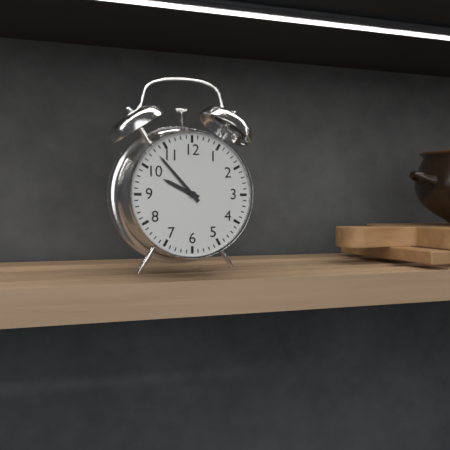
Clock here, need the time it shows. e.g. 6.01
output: 9.53
